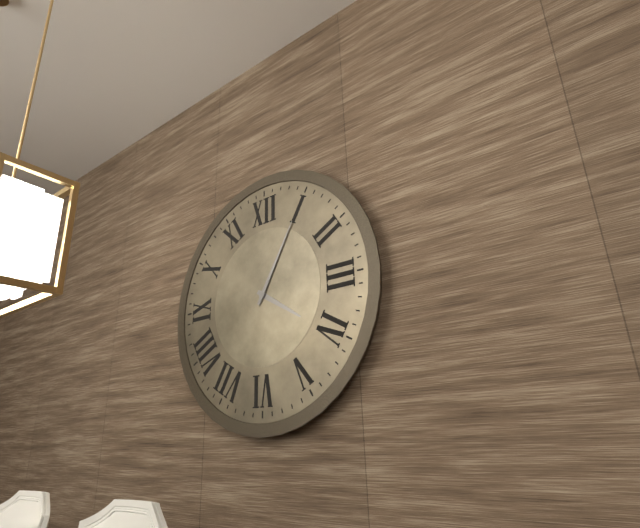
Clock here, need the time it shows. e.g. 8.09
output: 4.05
